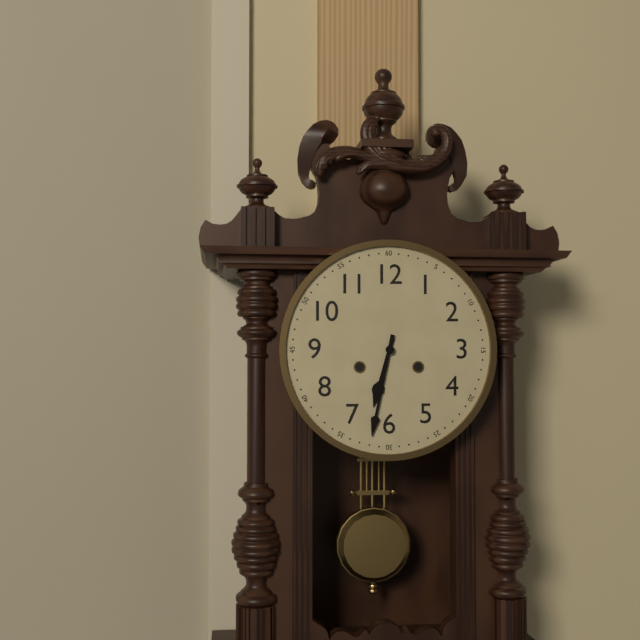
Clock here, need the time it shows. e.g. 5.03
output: 6.32
